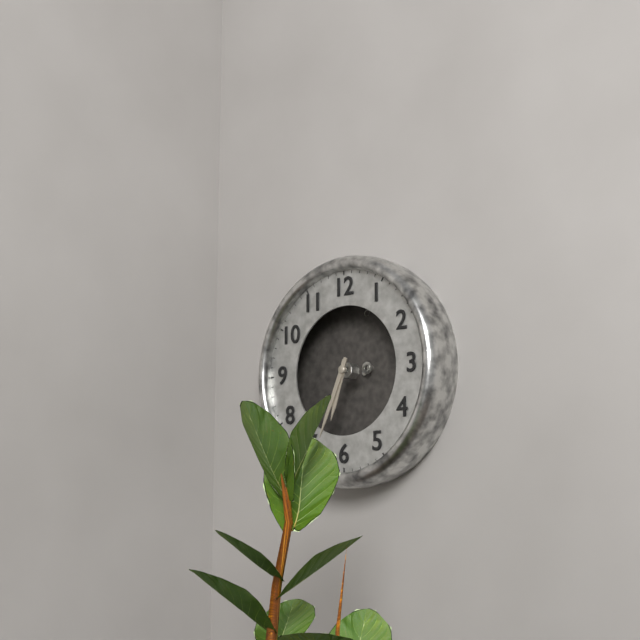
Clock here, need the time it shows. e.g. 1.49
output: 6.34
